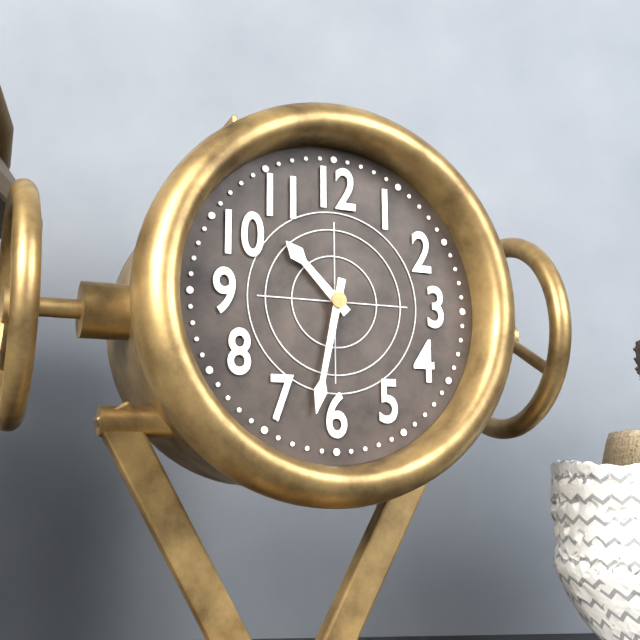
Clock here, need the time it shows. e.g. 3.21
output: 10.32
